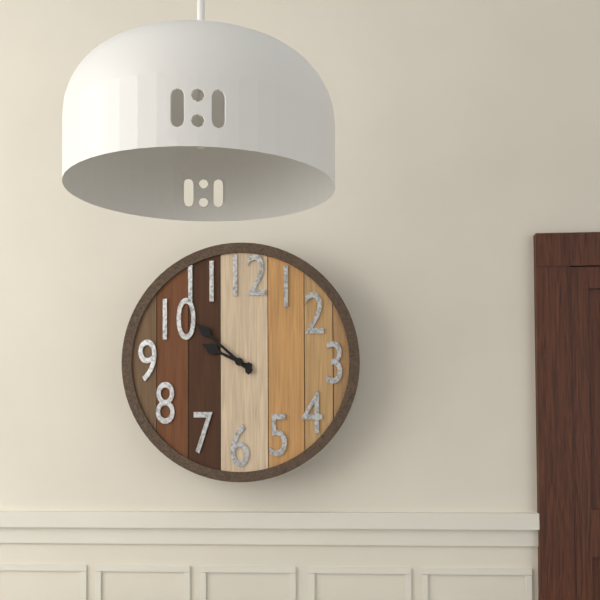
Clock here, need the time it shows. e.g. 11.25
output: 9.52
